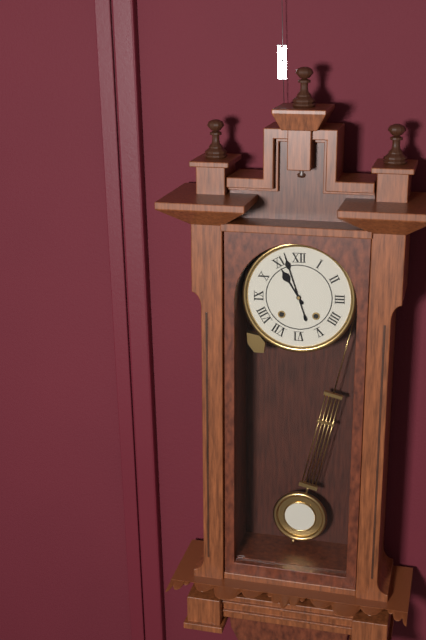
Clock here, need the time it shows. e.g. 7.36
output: 10.57
